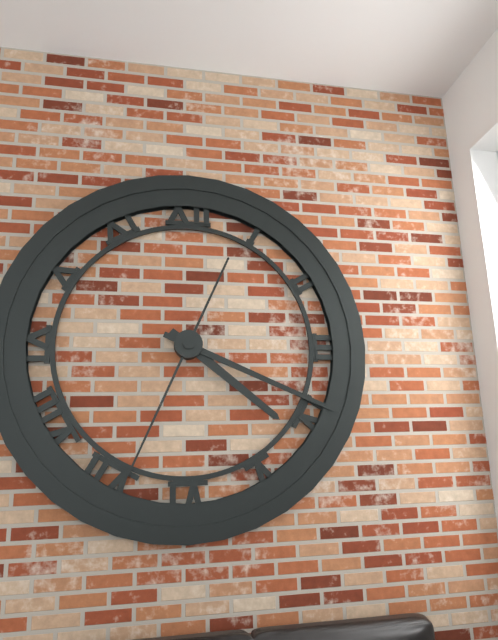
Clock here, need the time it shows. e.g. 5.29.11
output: 4.19.34
